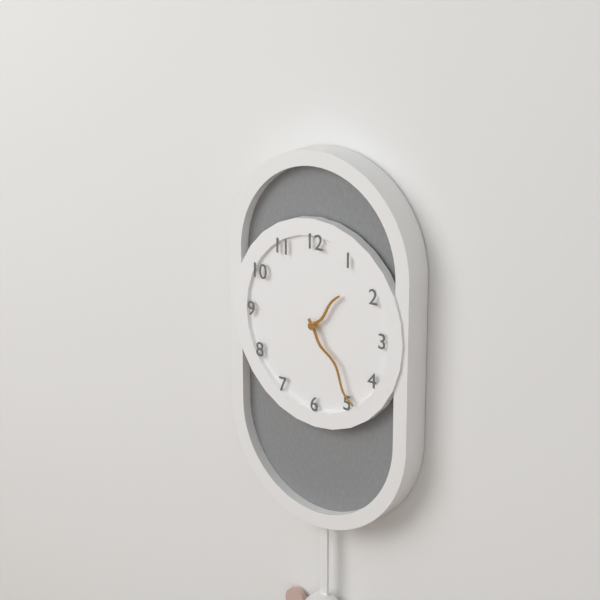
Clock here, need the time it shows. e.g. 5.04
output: 1.24
